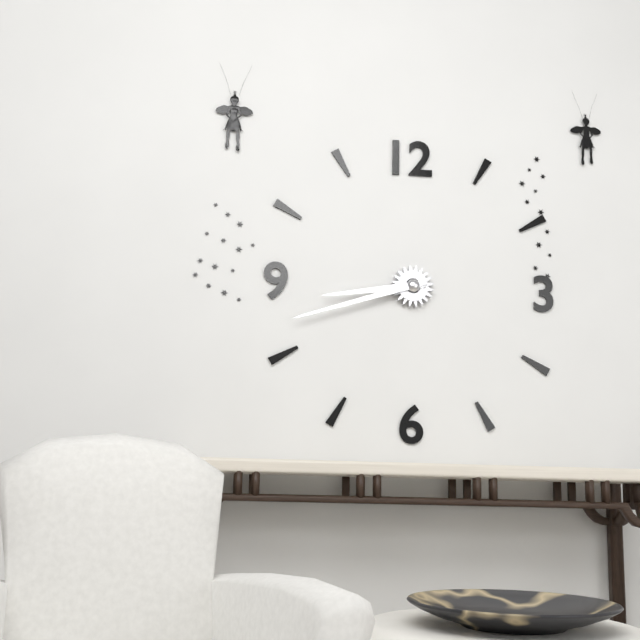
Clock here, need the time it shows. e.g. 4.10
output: 8.42
